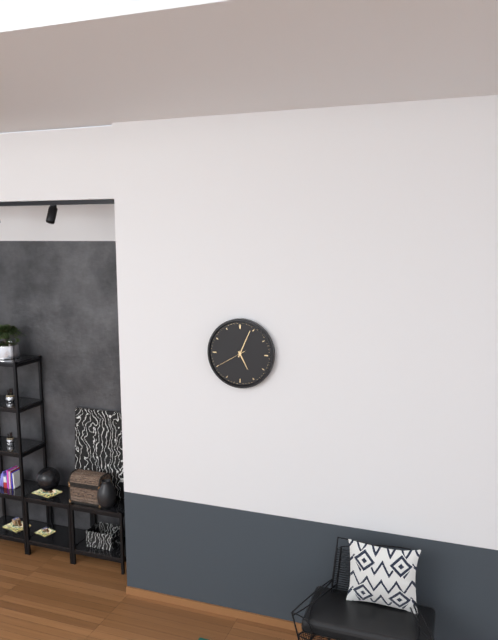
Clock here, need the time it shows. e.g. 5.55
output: 5.04
